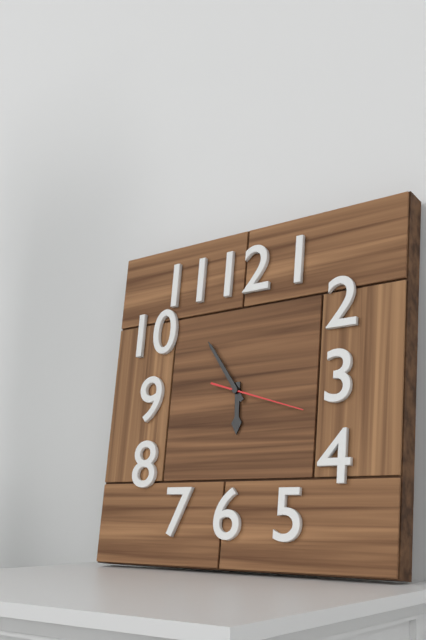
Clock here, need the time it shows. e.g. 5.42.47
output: 5.54.18
